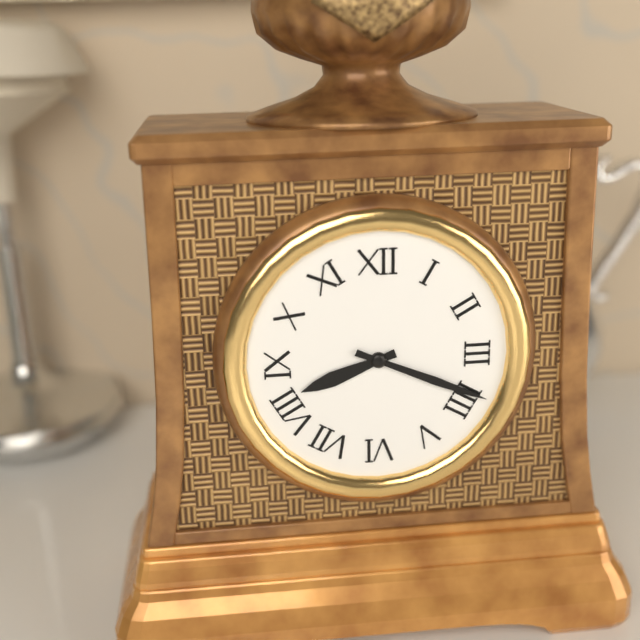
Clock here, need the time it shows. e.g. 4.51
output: 8.19
